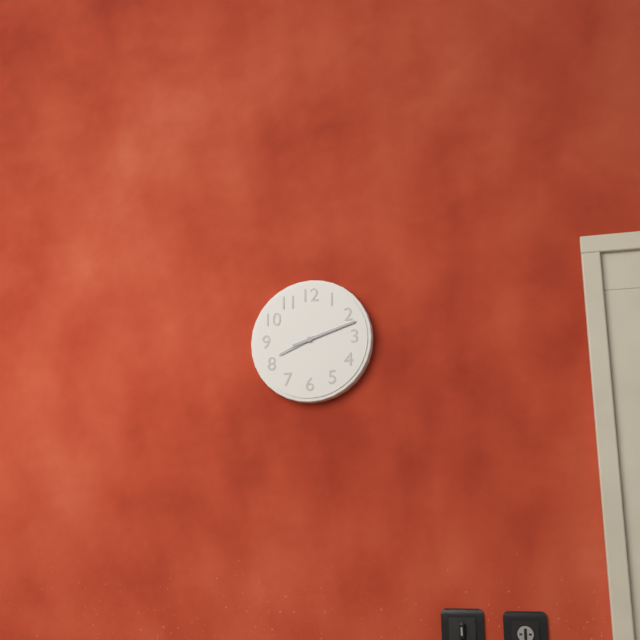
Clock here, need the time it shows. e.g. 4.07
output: 8.12
